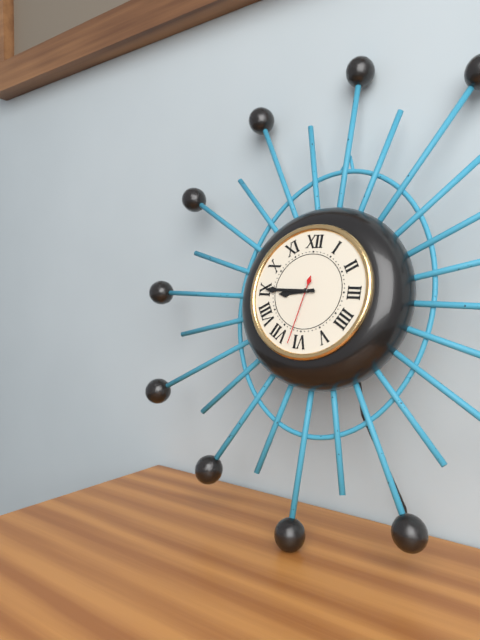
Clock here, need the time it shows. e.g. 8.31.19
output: 8.45.32
